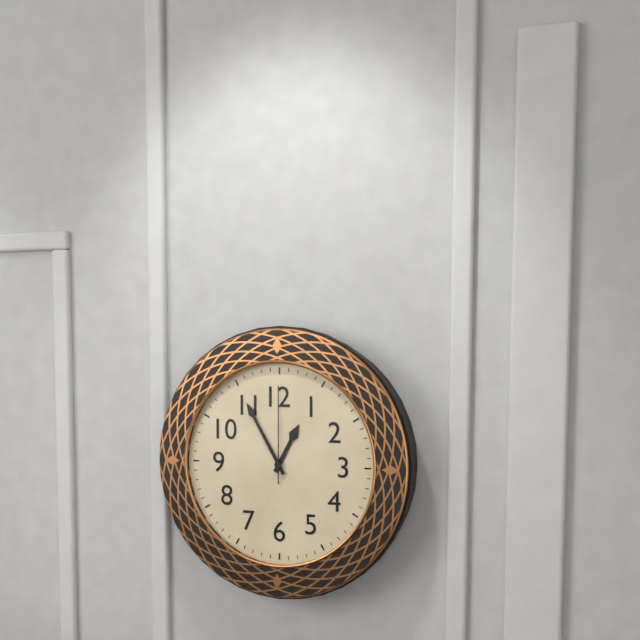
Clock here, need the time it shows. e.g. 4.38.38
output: 12.55.00
